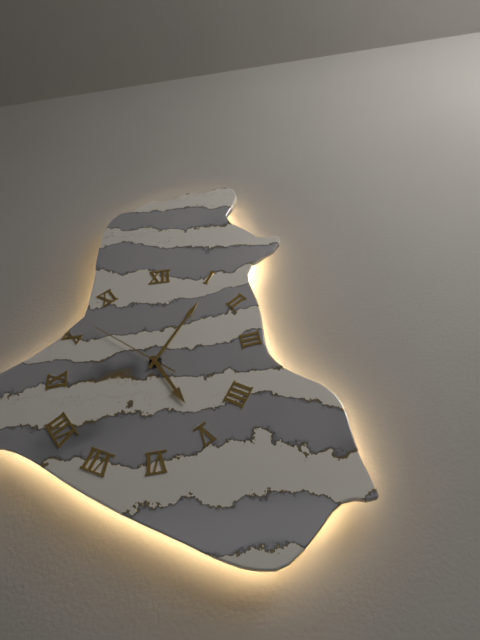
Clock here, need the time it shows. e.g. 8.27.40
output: 5.06.52
